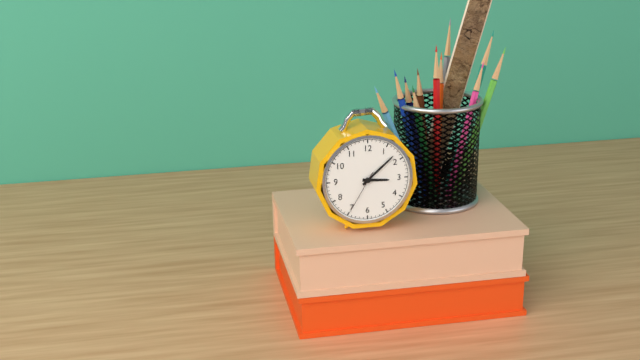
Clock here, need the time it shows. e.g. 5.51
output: 3.08
